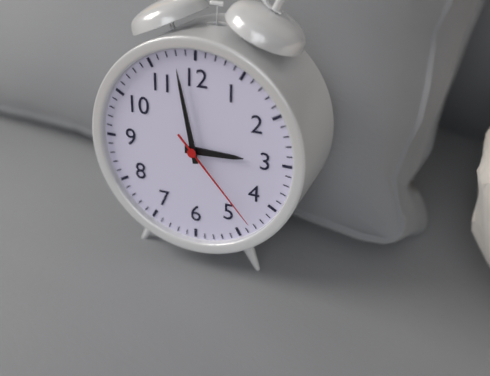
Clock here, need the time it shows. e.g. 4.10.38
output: 2.58.23
